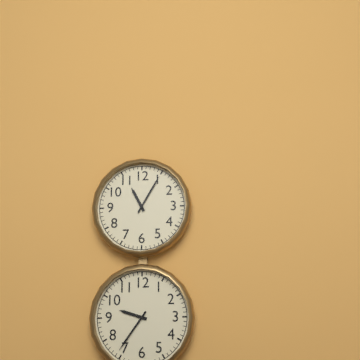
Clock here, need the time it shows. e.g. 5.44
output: 11.05
